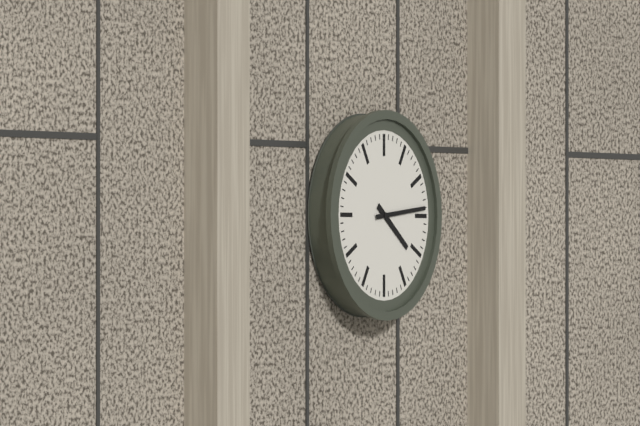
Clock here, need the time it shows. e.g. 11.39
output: 4.14
